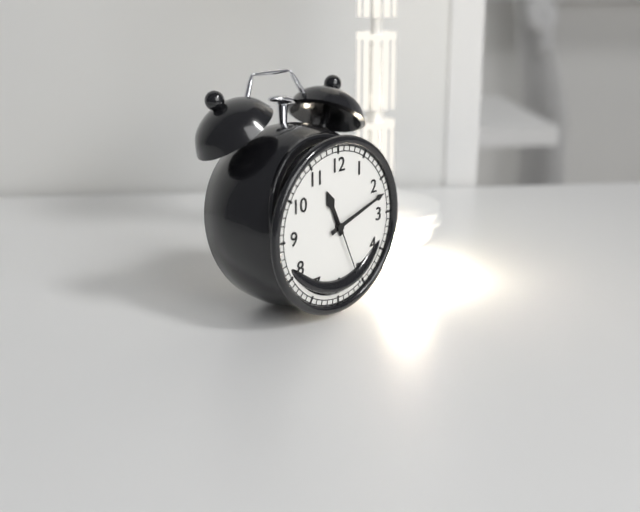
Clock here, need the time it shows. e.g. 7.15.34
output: 11.12.26
